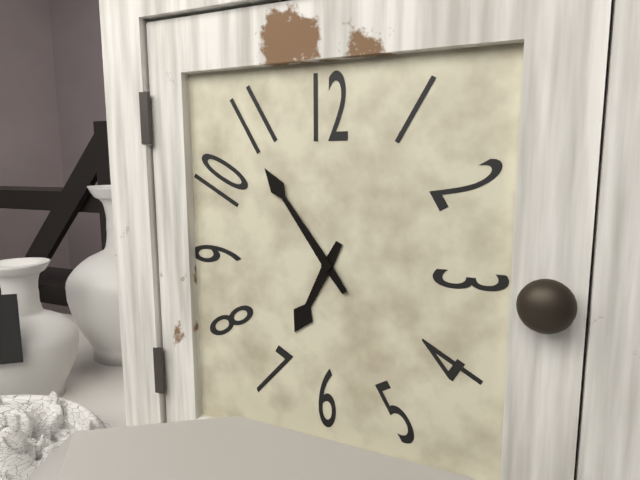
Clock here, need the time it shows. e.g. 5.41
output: 6.54
